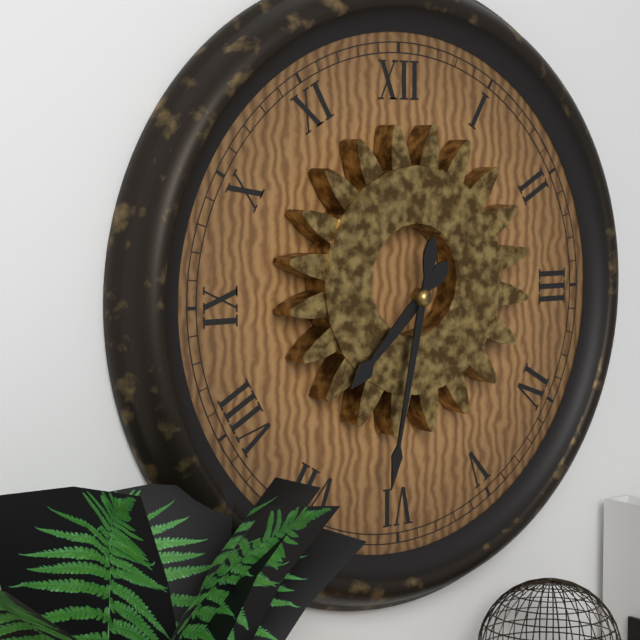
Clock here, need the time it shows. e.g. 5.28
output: 7.32
